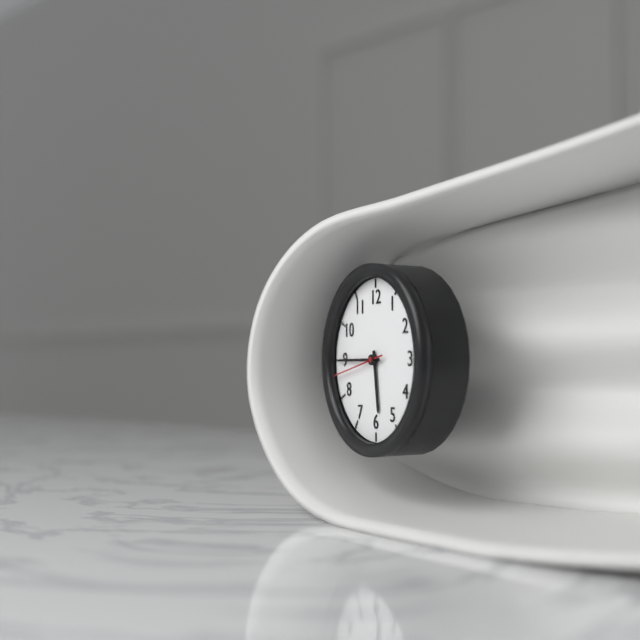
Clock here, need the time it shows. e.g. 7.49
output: 5.45
